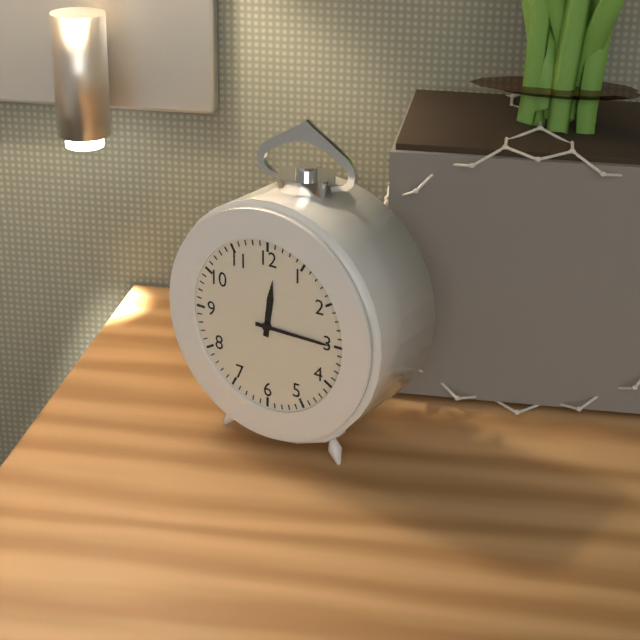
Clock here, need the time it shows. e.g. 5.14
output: 12.15
